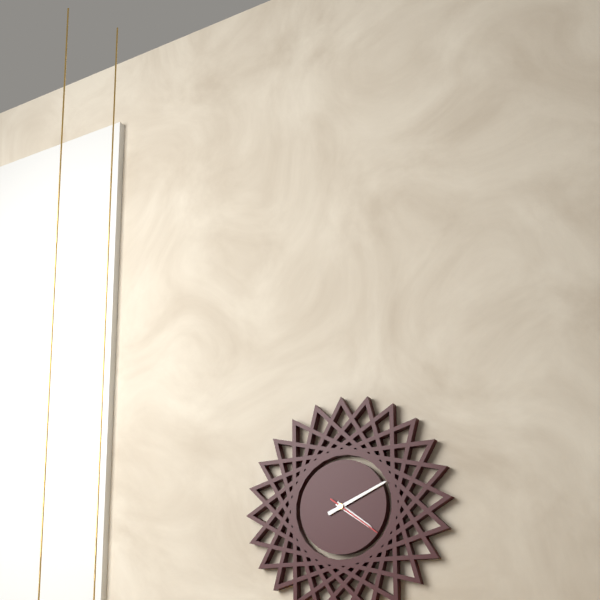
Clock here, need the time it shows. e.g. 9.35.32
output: 4.11.21
